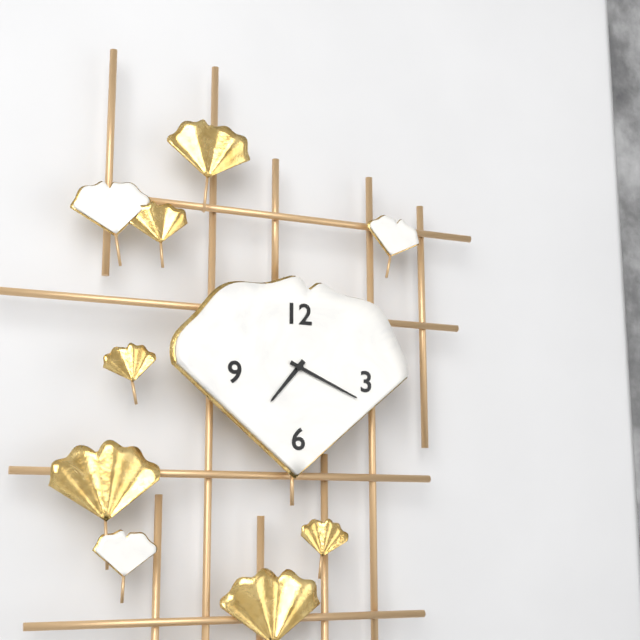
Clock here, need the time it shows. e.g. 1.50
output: 7.19
